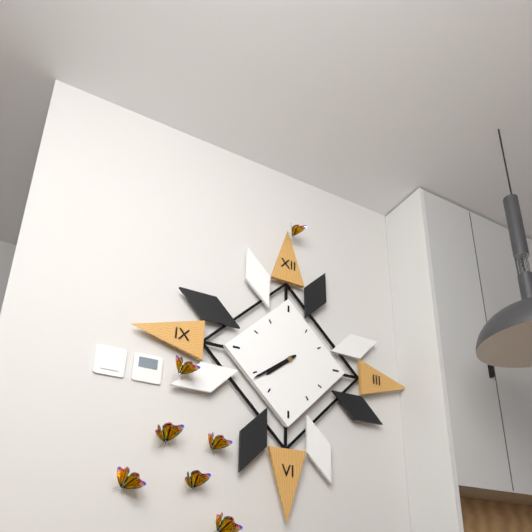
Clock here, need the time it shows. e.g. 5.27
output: 7.39
